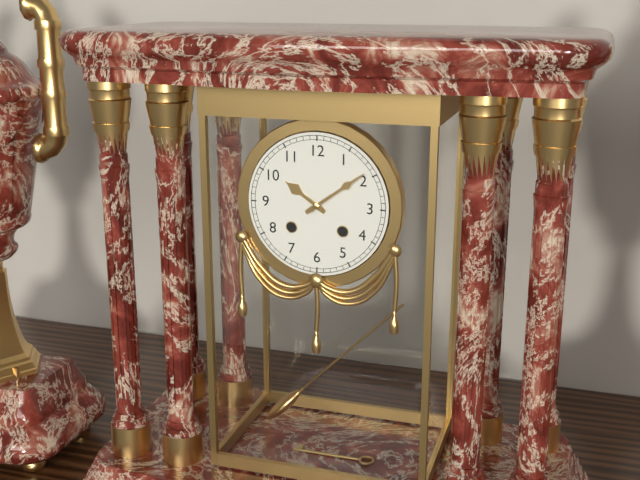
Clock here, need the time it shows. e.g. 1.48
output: 10.09
